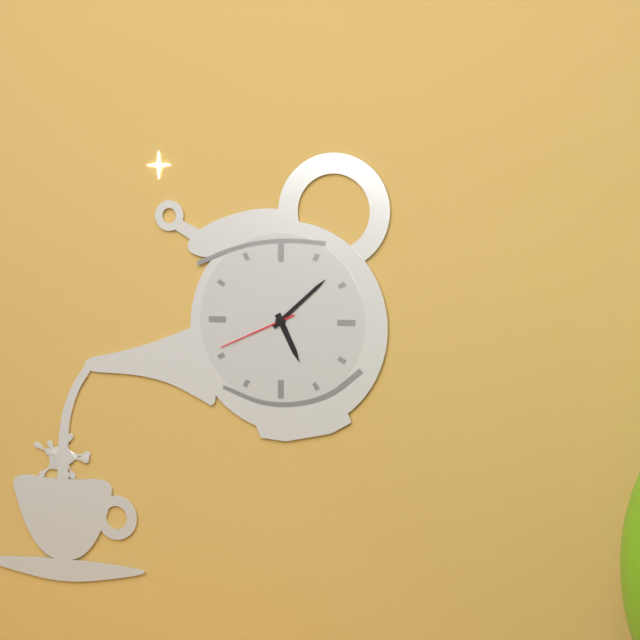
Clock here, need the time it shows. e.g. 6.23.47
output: 5.08.41
